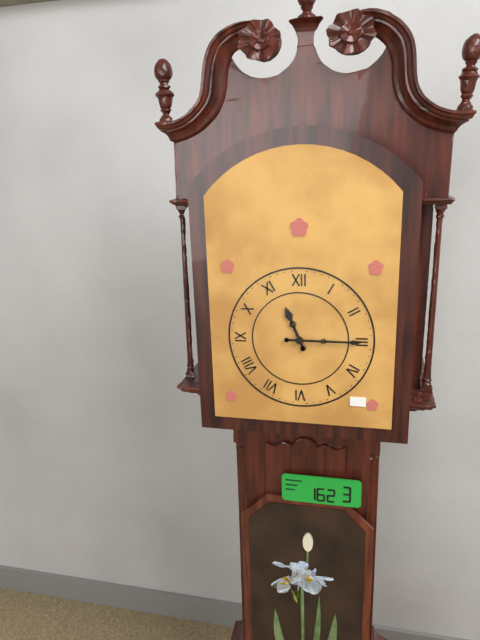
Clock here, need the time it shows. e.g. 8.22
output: 11.15
